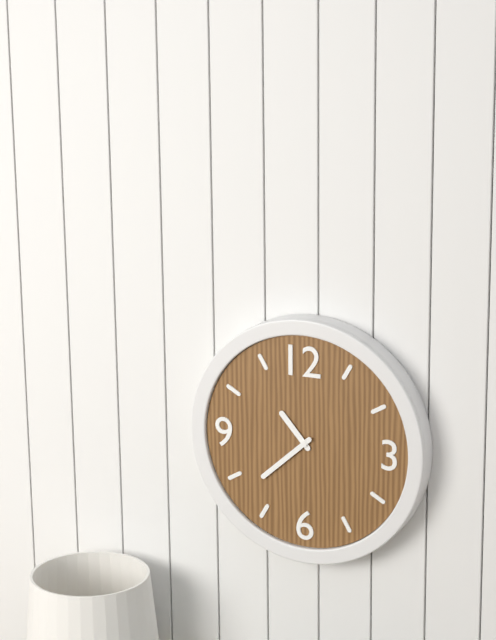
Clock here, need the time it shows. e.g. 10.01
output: 10.38
